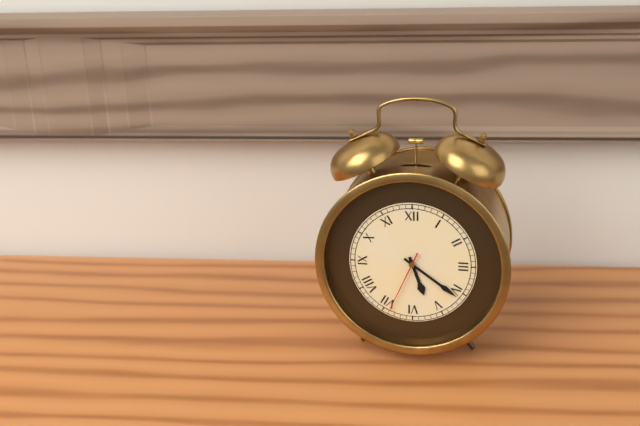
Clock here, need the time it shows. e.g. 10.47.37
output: 5.21.34
